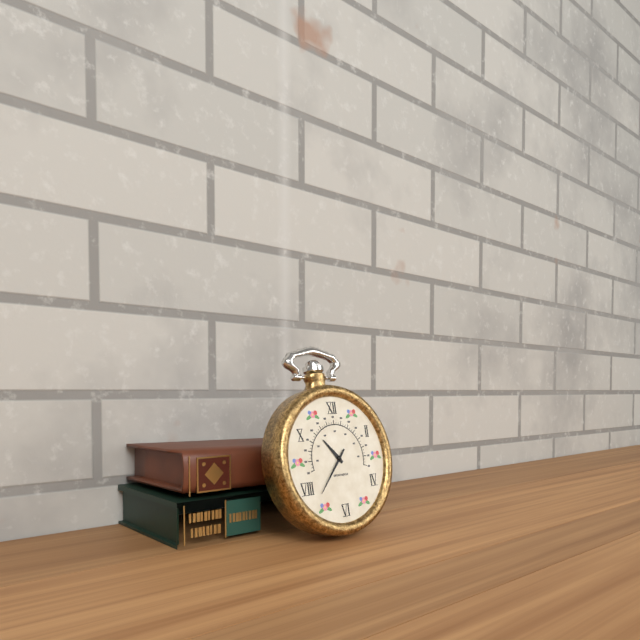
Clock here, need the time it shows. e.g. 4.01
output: 10.37
